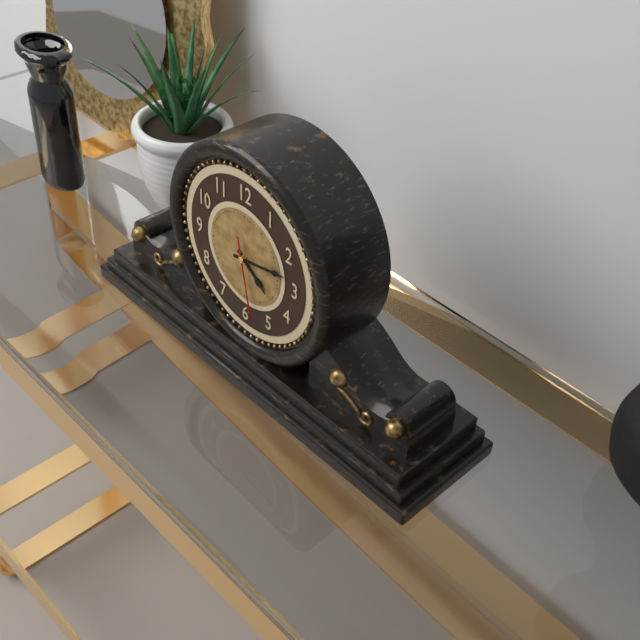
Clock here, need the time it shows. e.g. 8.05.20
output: 4.13.28
